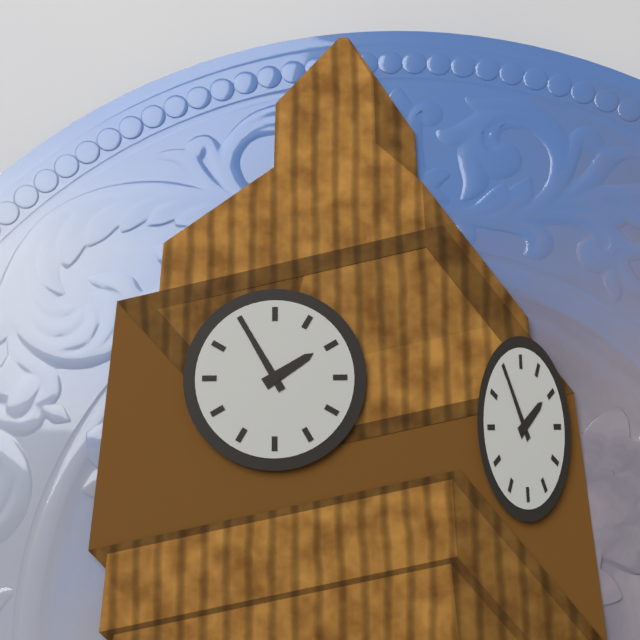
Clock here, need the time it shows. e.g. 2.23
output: 1.55
